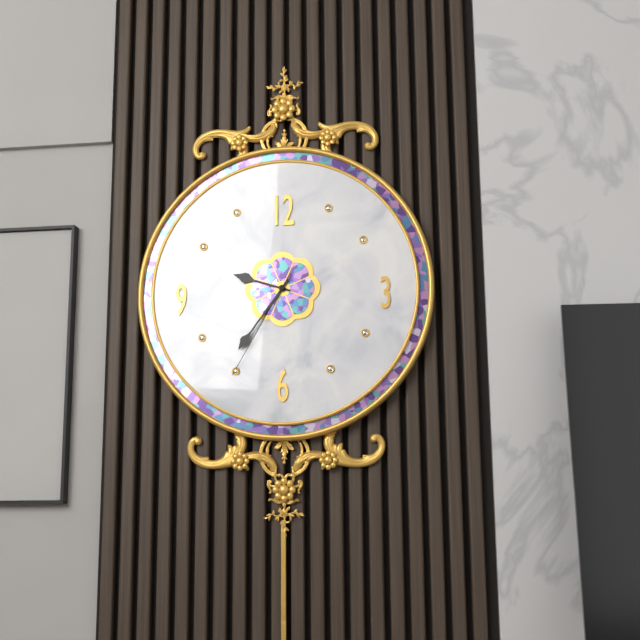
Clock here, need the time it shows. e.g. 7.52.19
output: 9.36.35
